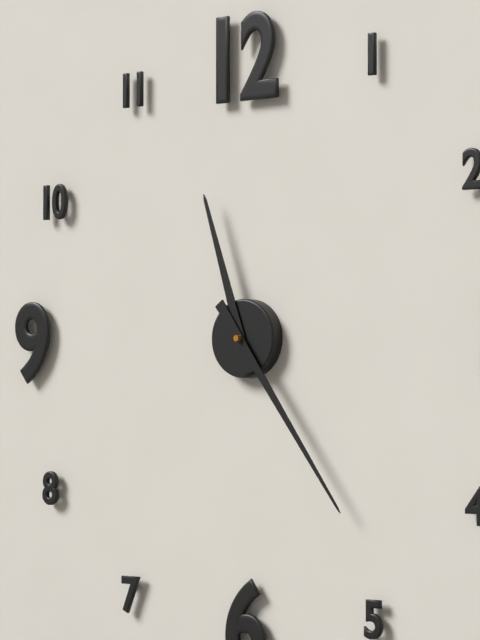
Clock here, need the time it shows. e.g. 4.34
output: 11.24
